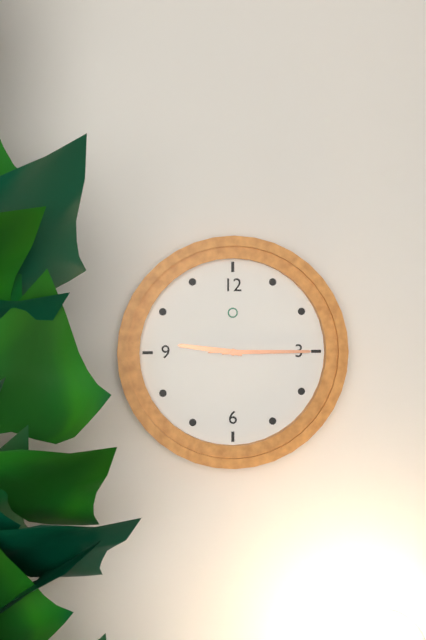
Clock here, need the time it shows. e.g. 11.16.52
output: 9.15.15
